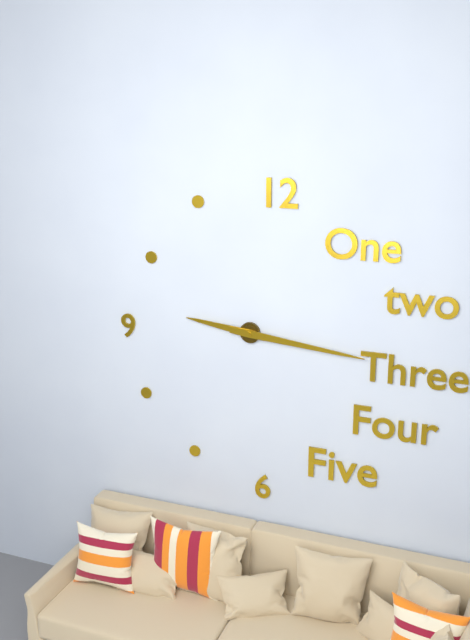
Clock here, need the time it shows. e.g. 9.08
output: 9.16
